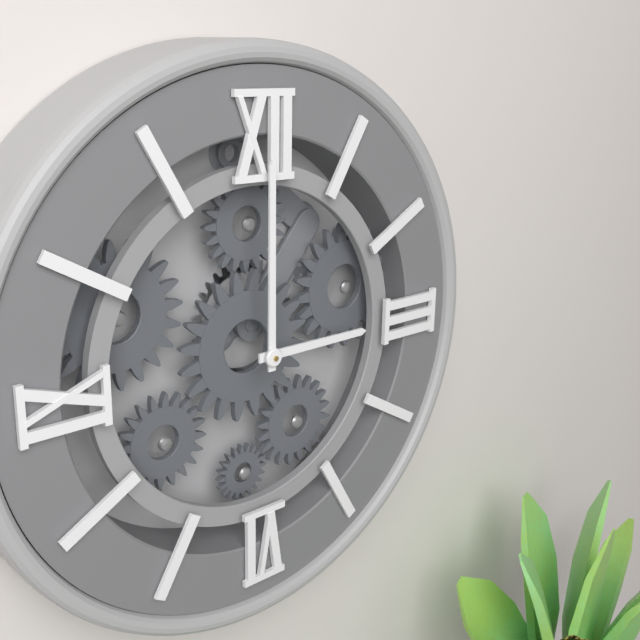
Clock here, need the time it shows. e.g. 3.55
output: 3.00
